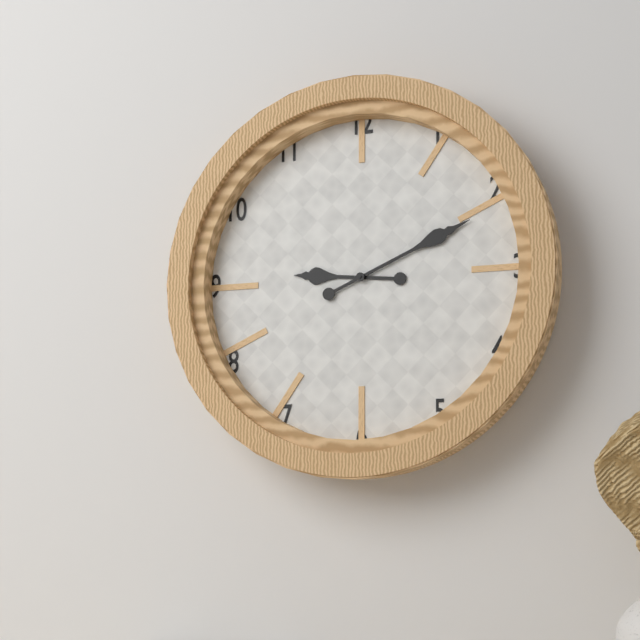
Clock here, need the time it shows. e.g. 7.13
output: 9.11
